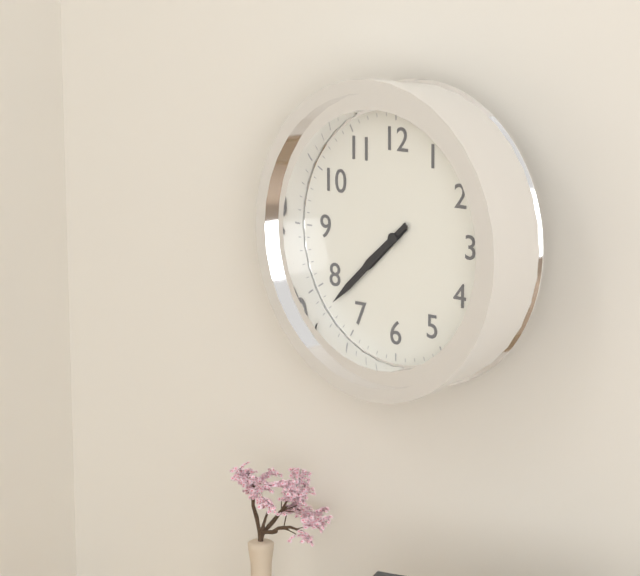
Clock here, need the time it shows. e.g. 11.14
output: 7.38
